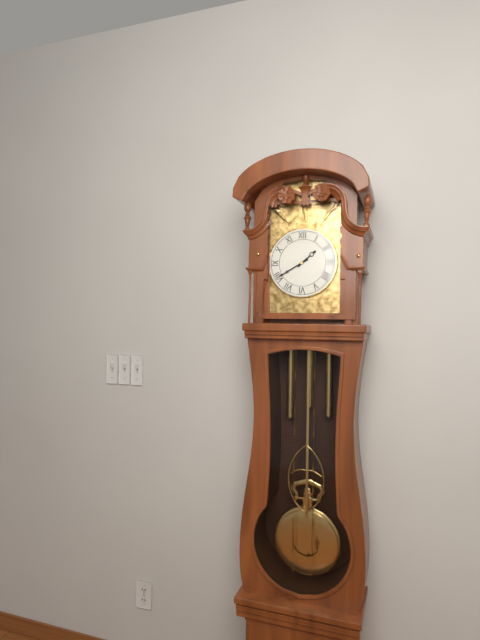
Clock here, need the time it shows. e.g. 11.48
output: 1.40
